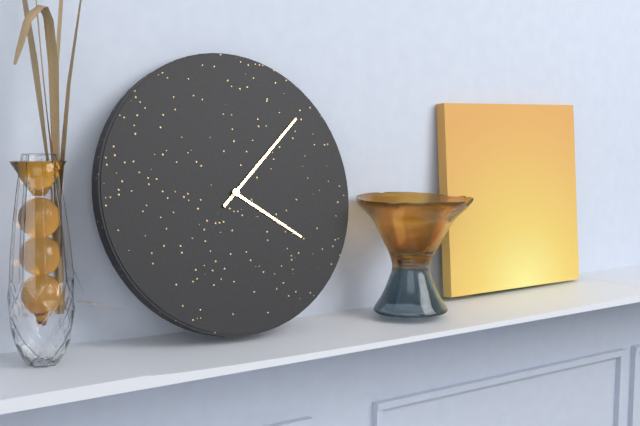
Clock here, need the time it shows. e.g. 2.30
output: 4.08
